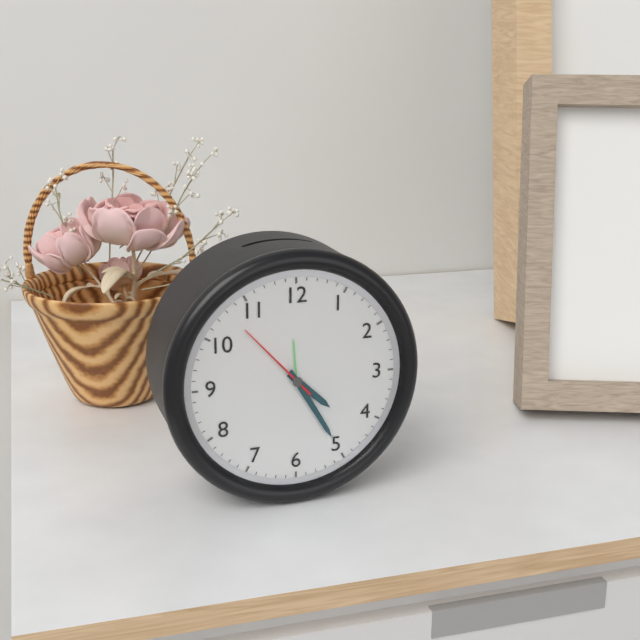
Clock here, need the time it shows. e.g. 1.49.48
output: 4.25.53
